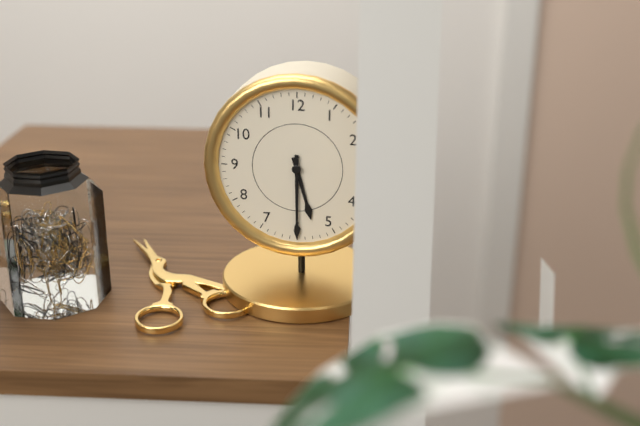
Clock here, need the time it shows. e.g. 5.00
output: 5.30
